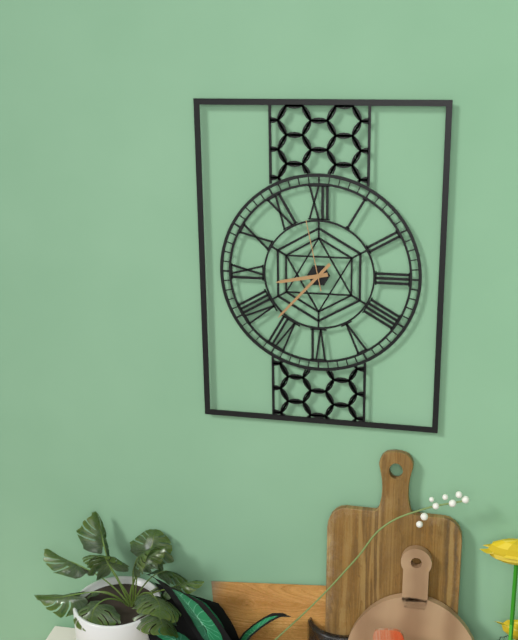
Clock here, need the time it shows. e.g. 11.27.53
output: 8.37.58
